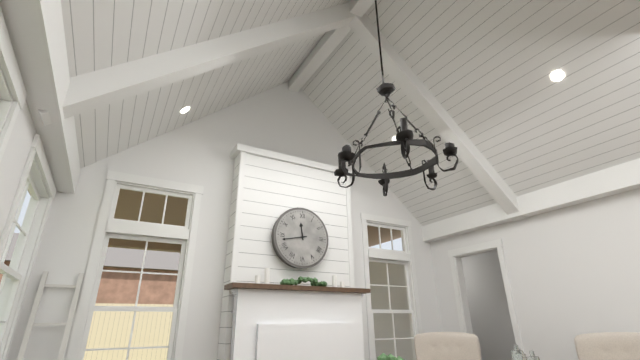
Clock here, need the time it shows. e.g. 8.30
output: 11.43
